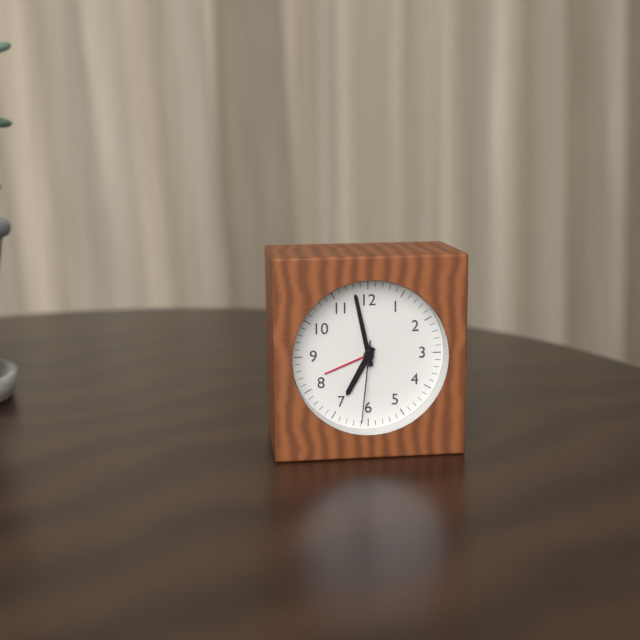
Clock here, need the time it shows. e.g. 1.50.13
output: 6.58.31
